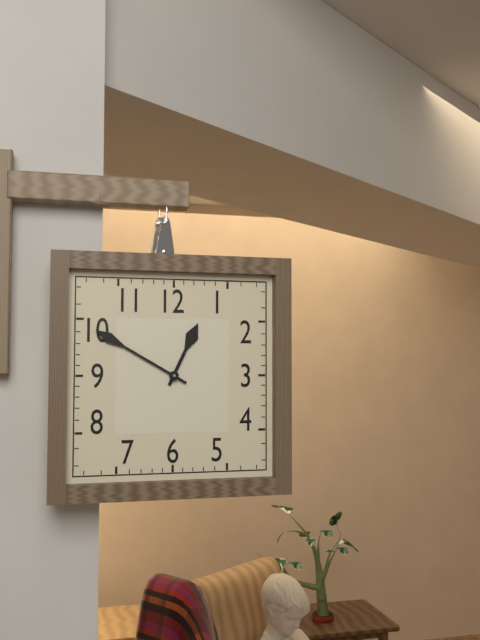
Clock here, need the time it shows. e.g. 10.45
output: 12.50
